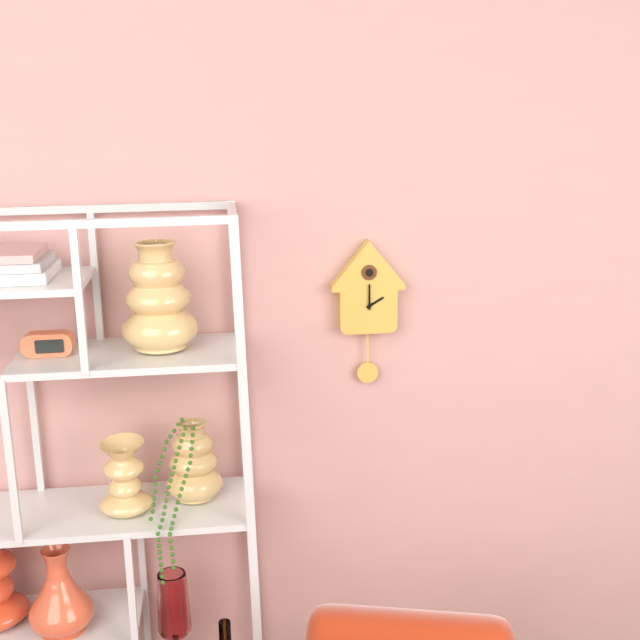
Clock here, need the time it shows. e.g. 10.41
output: 2.00
